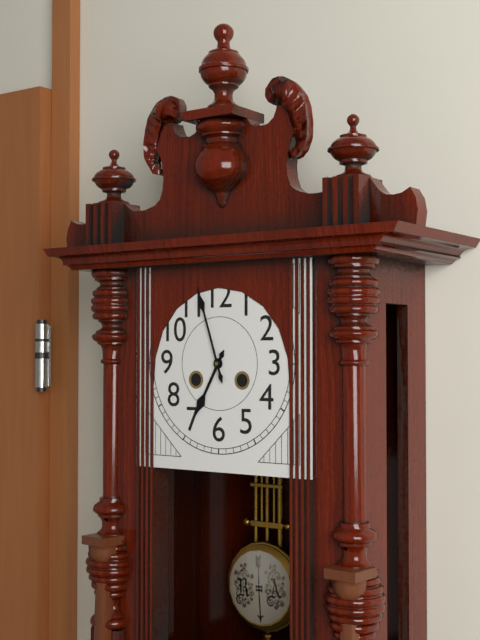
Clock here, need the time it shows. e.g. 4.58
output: 6.57
